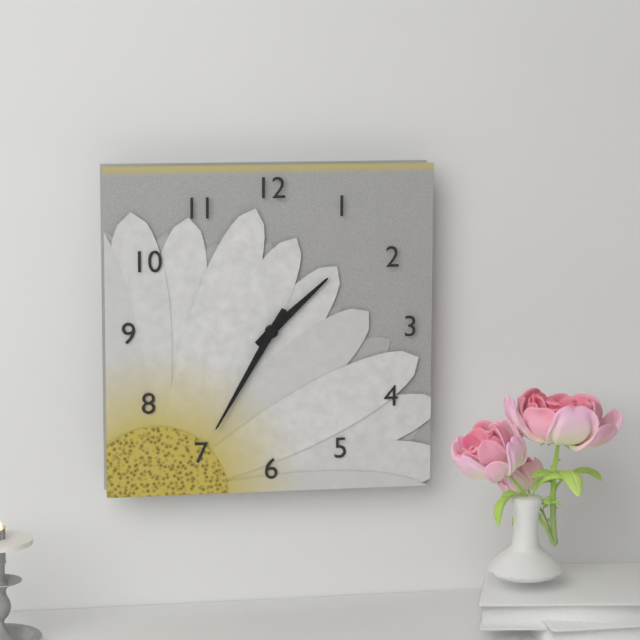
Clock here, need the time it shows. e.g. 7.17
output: 1.35
